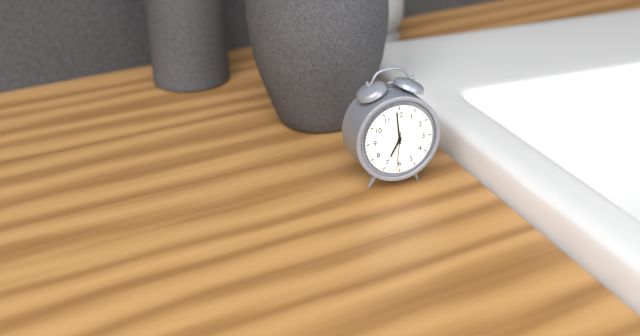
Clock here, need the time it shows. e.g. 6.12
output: 6.59
